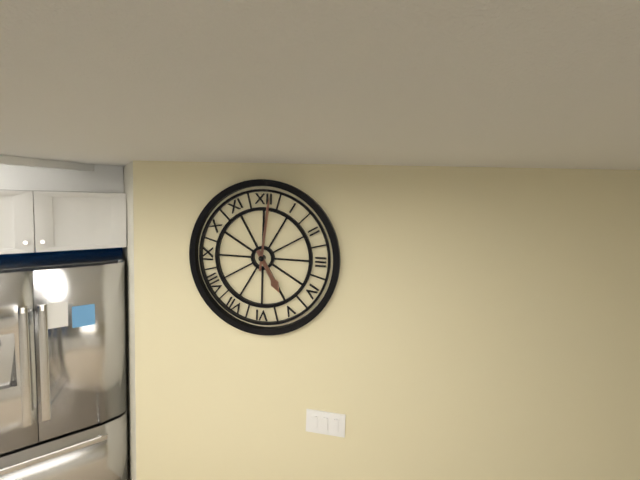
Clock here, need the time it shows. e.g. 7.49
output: 5.01
